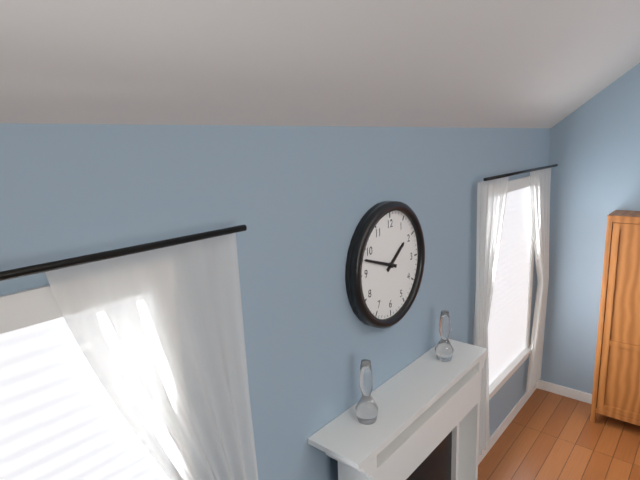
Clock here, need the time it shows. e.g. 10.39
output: 1.48
